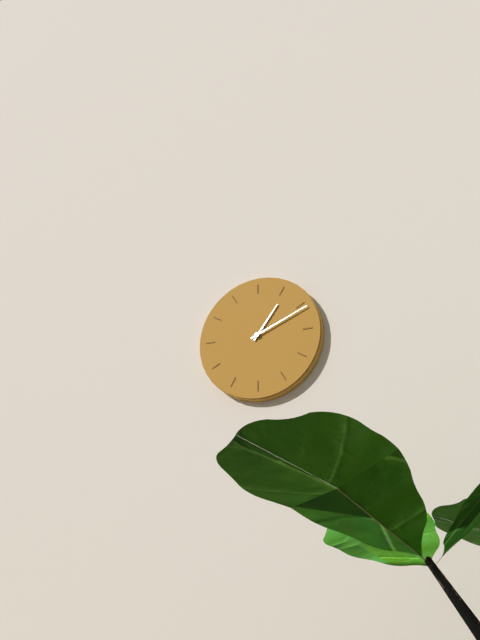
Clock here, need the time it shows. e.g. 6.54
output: 1.11
